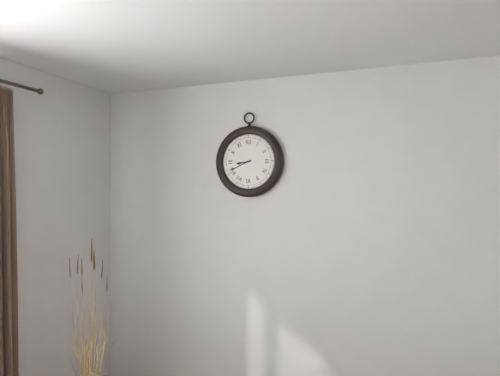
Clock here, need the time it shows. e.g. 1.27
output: 8.41
